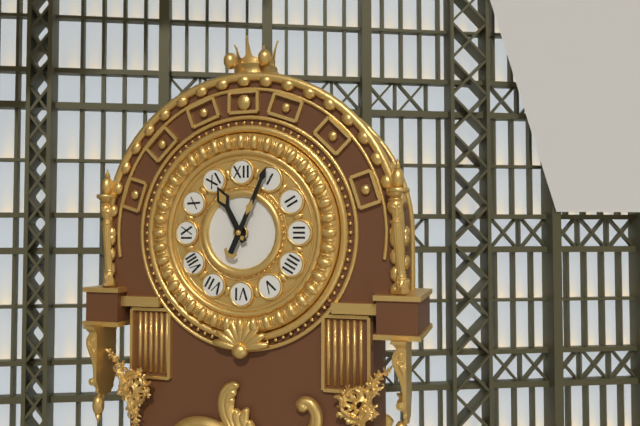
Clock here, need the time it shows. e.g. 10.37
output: 11.04
